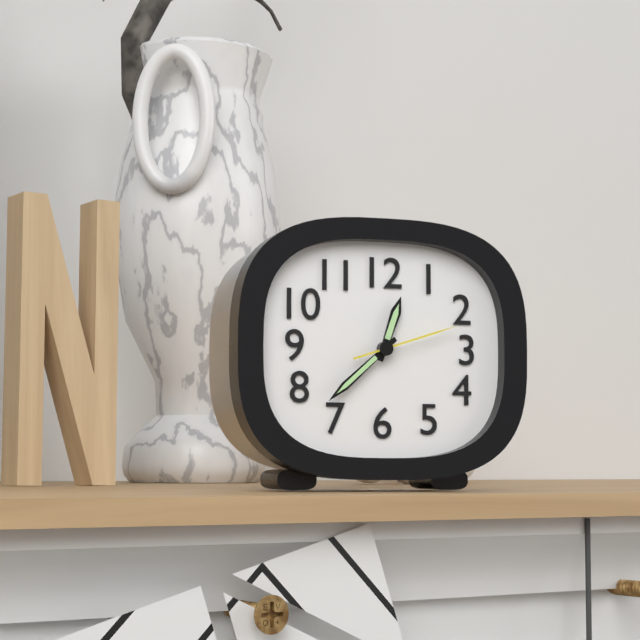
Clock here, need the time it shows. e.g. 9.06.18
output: 12.38.12
